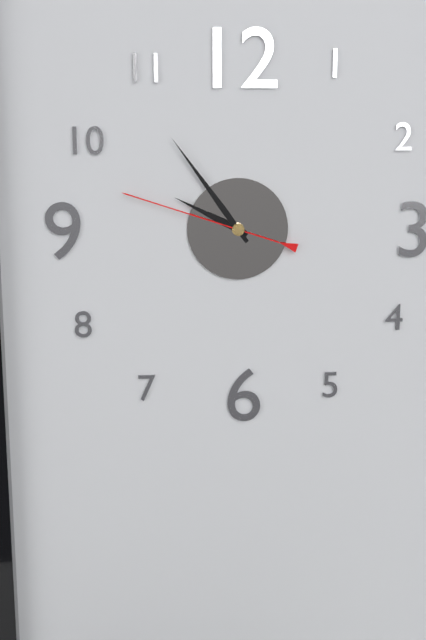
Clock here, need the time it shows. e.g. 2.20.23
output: 9.54.48
